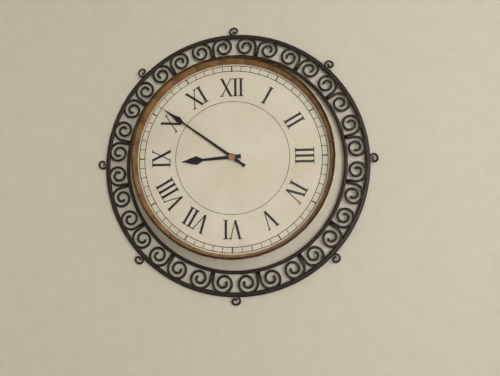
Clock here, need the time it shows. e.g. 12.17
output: 8.51
